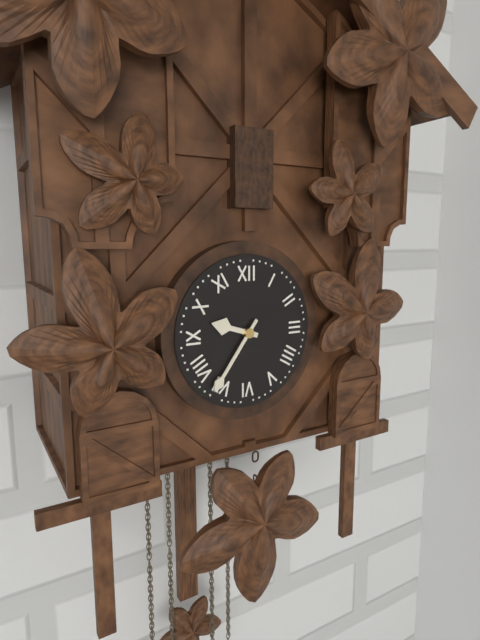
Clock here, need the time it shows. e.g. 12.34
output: 9.36
